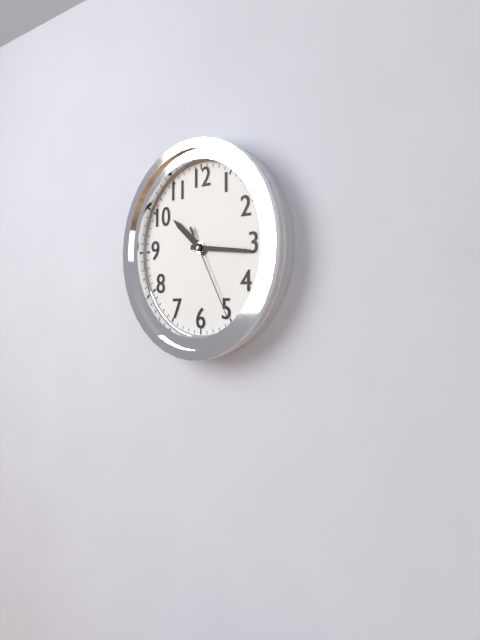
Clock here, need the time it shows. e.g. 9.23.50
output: 10.16.25
